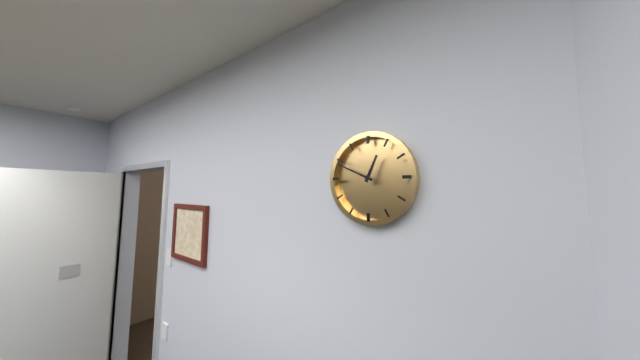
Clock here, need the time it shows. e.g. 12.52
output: 12.49
